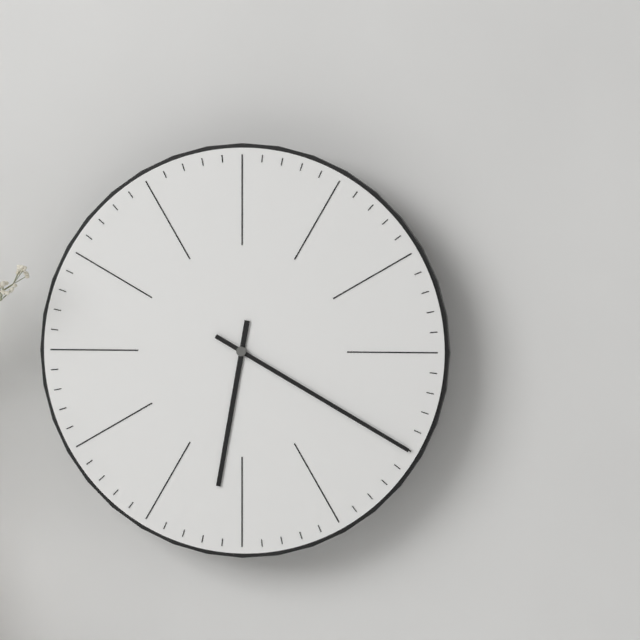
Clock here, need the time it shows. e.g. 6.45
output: 6.20
